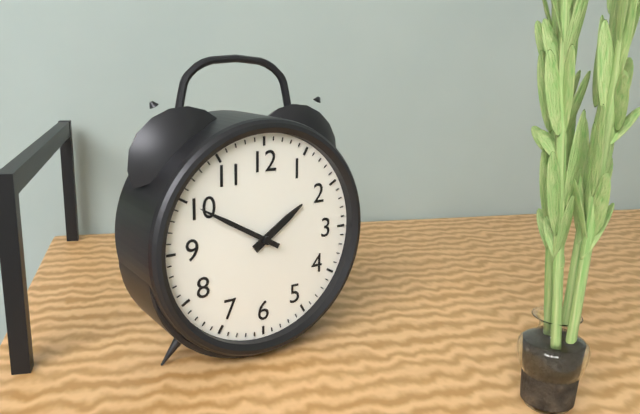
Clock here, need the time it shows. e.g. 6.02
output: 1.50
